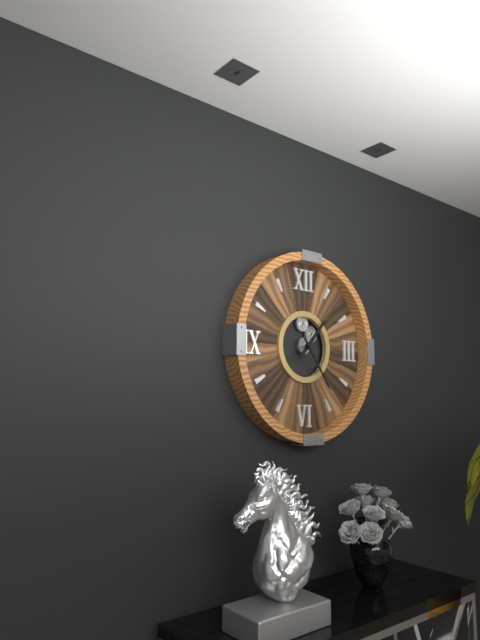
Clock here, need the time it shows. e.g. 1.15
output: 1.24
